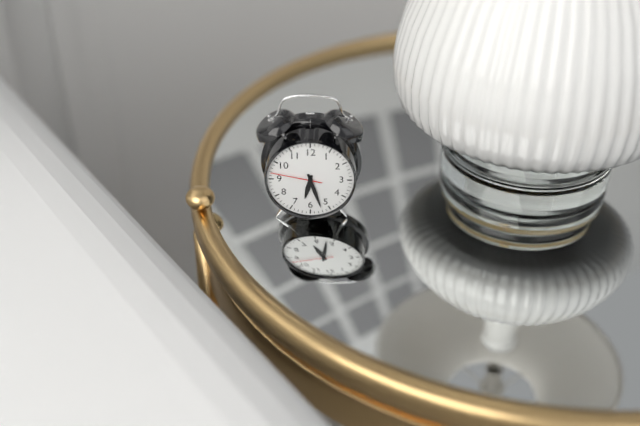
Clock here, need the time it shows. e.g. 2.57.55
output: 6.27.47
